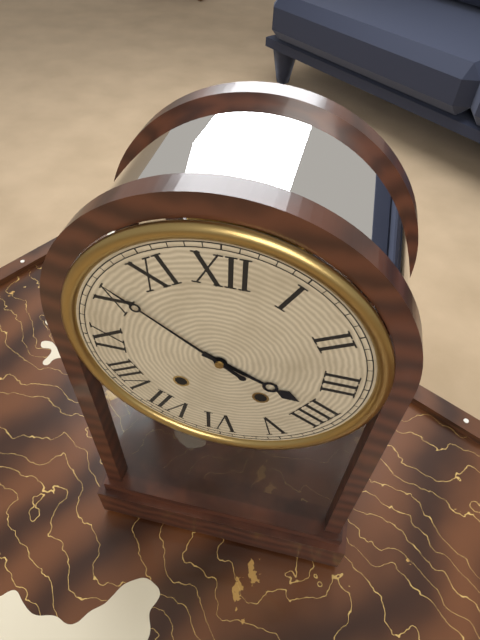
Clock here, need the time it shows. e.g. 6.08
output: 3.51
